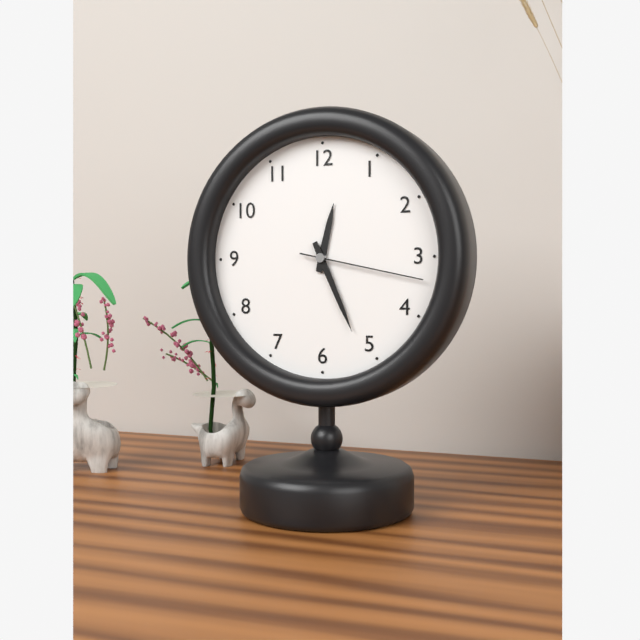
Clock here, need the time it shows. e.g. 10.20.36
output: 12.26.17
